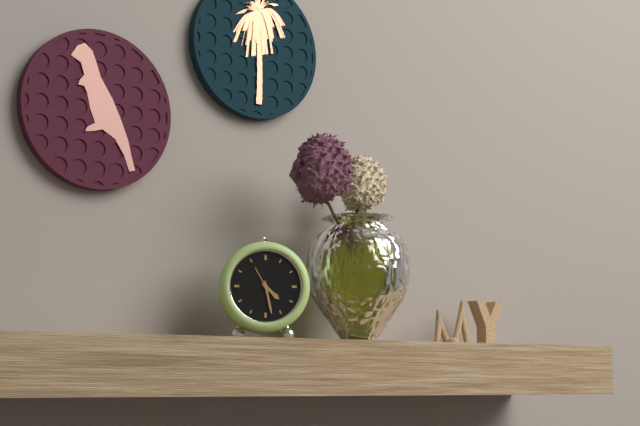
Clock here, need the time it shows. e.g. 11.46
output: 4.28
